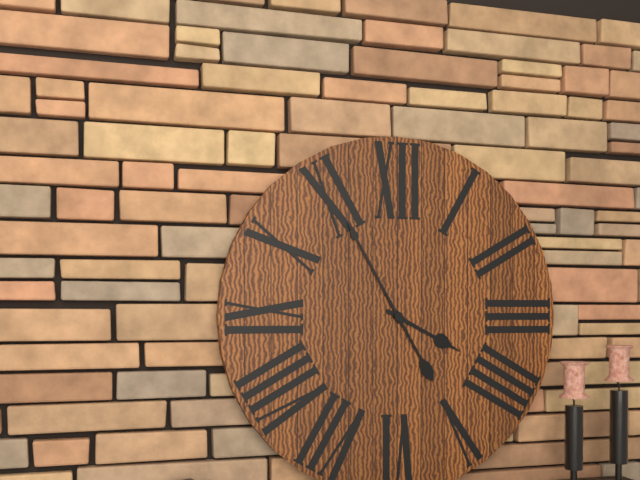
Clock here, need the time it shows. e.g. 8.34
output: 3.55
